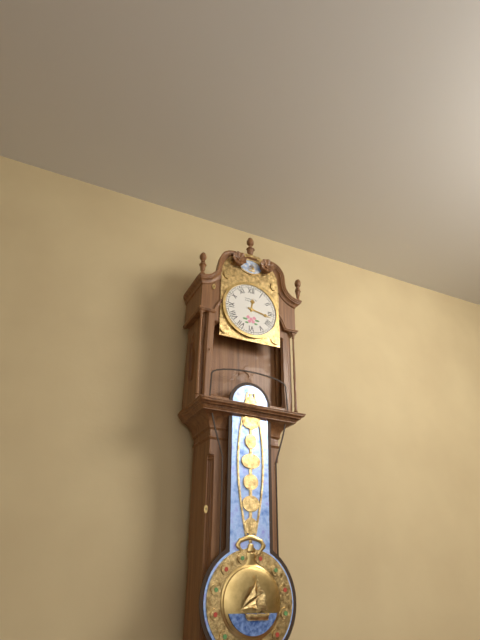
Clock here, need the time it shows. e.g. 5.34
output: 12.17
